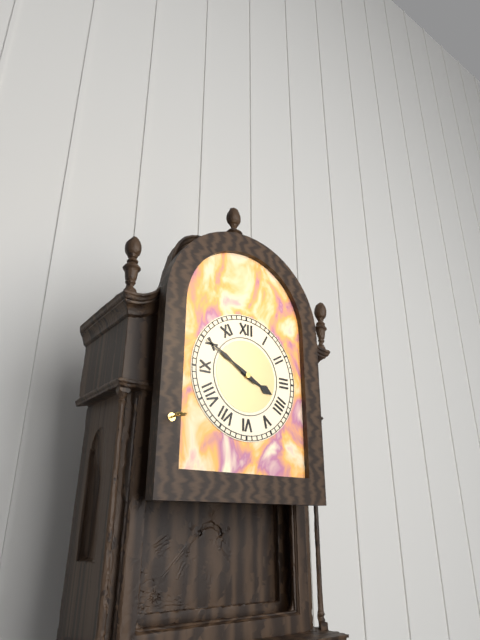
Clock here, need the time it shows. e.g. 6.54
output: 3.50
